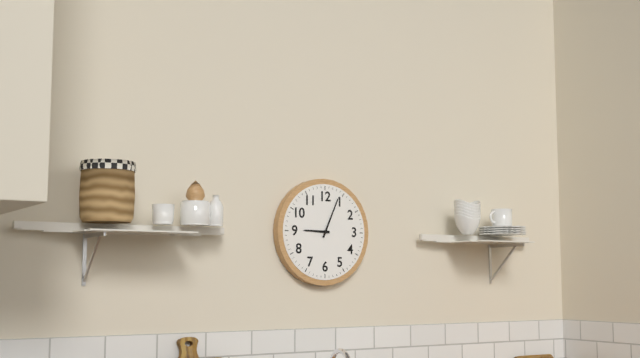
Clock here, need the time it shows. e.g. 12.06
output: 9.04
